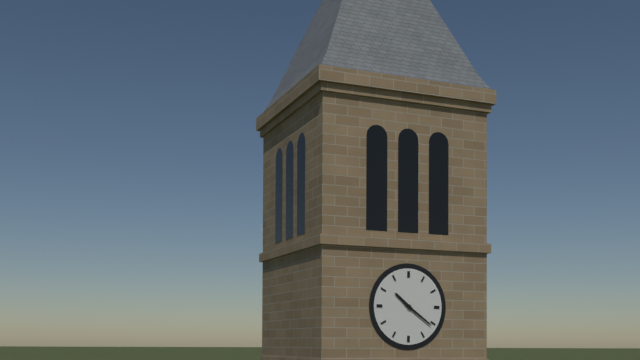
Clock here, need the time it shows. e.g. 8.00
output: 10.21
